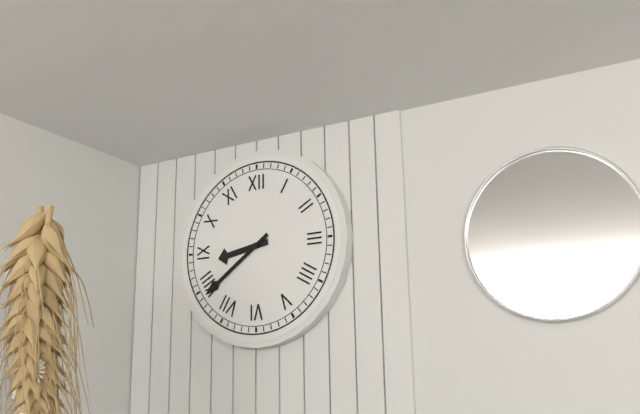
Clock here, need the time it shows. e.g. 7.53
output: 8.39
